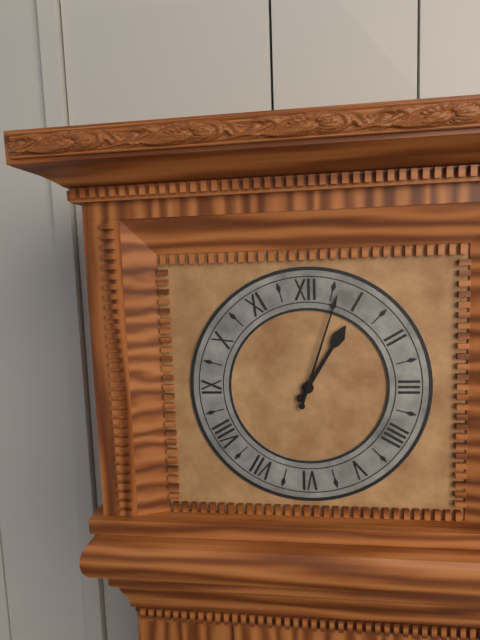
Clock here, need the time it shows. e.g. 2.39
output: 1.03
